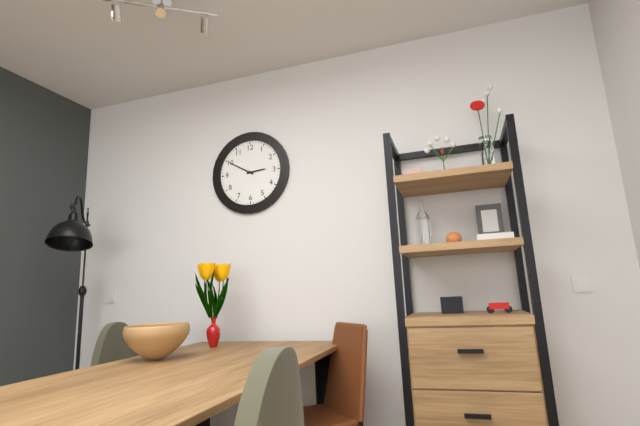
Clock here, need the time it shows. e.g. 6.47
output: 2.50
